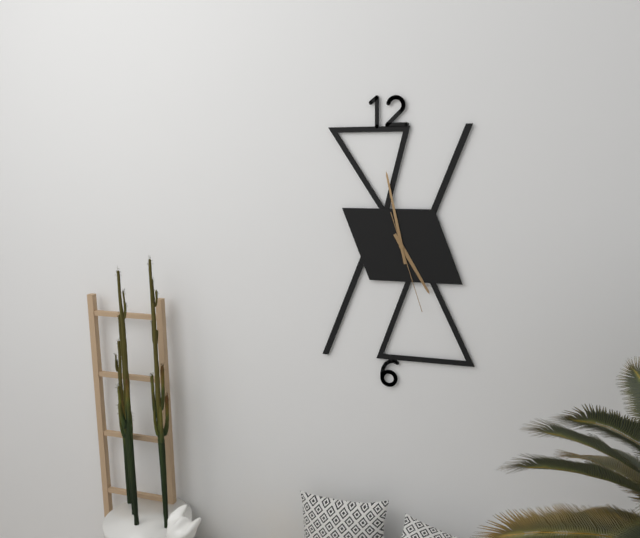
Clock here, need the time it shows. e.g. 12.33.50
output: 4.58.27
